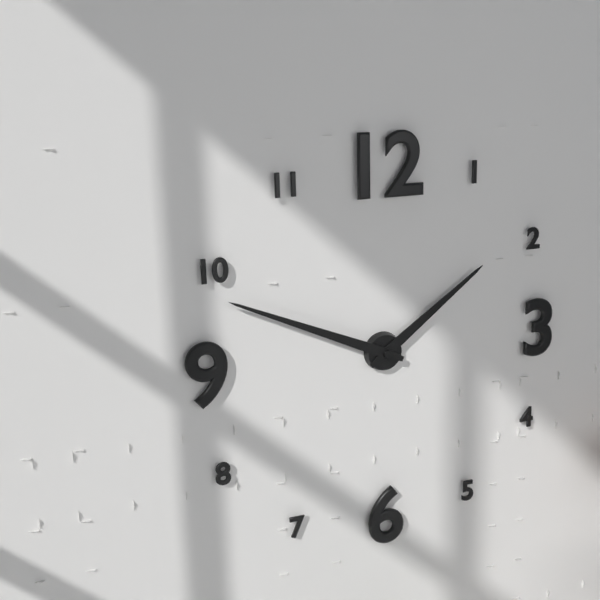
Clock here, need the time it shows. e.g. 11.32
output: 1.49
